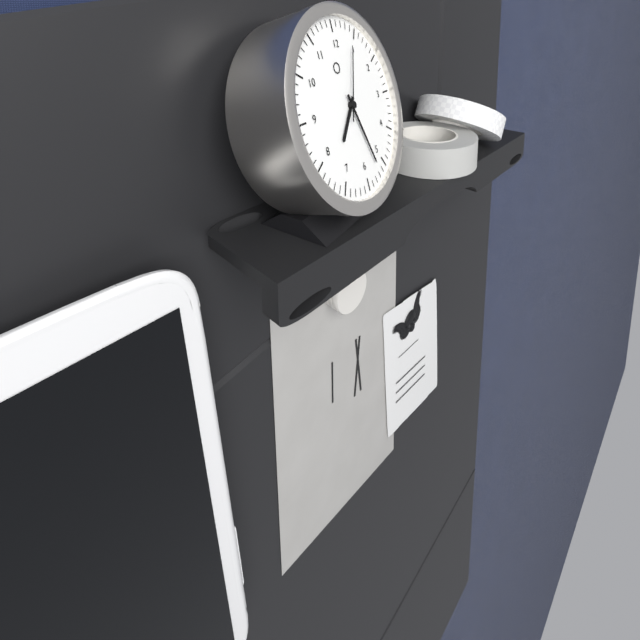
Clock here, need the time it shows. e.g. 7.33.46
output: 7.27.04
